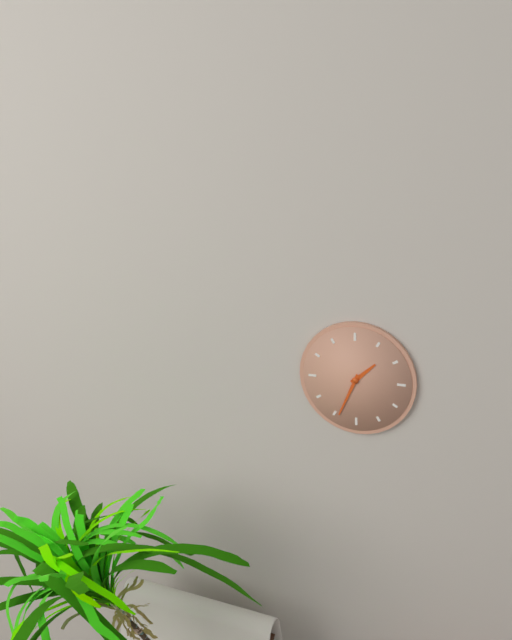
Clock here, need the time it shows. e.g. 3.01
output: 1.34
